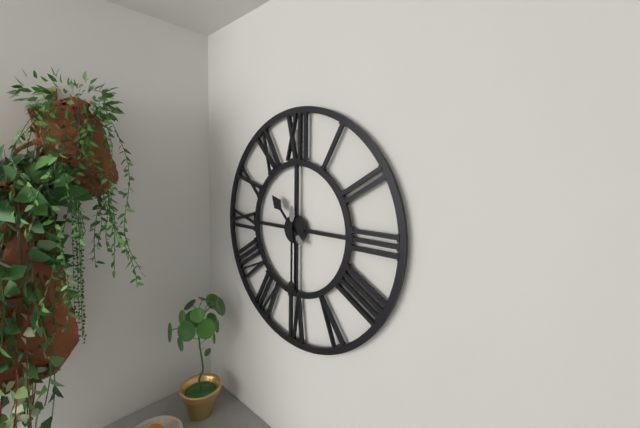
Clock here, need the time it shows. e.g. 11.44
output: 10.30
